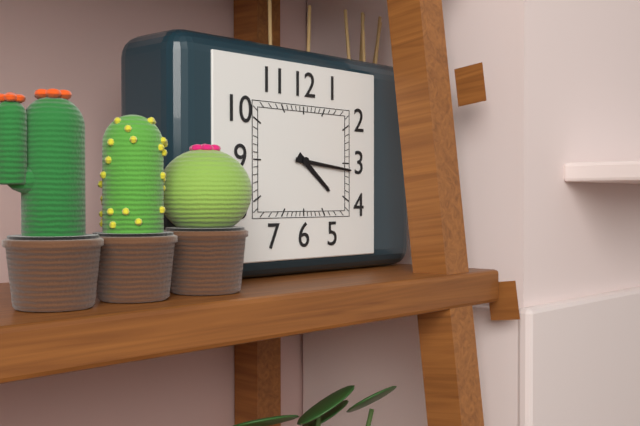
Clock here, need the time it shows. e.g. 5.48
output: 4.16
